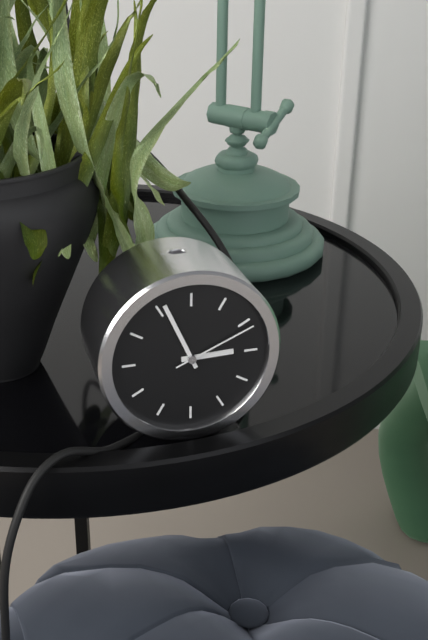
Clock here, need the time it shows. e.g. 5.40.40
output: 2.56.11
